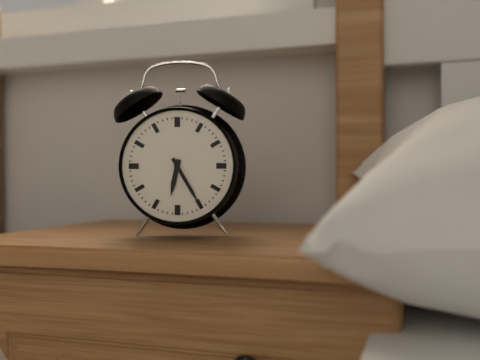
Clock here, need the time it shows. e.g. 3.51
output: 6.25
